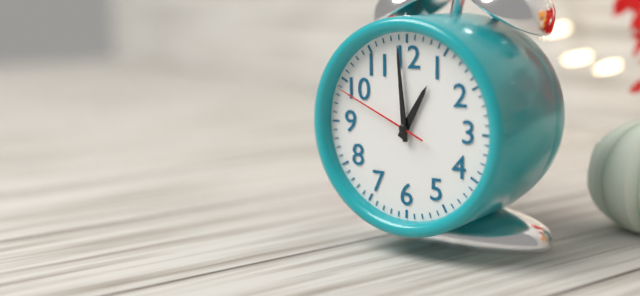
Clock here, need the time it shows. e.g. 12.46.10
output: 12.59.49
